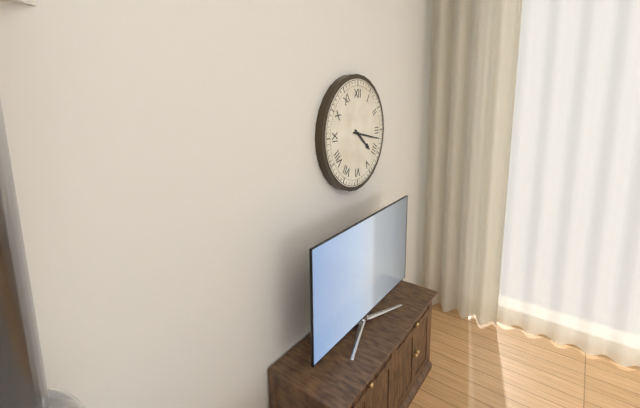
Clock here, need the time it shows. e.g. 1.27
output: 4.17
